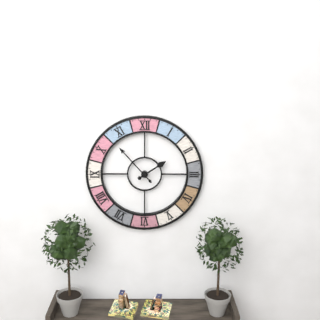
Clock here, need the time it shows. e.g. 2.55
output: 1.53
